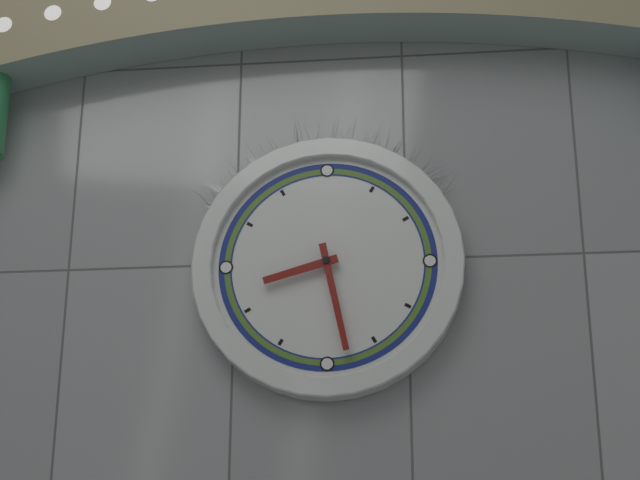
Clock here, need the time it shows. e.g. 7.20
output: 8.28
